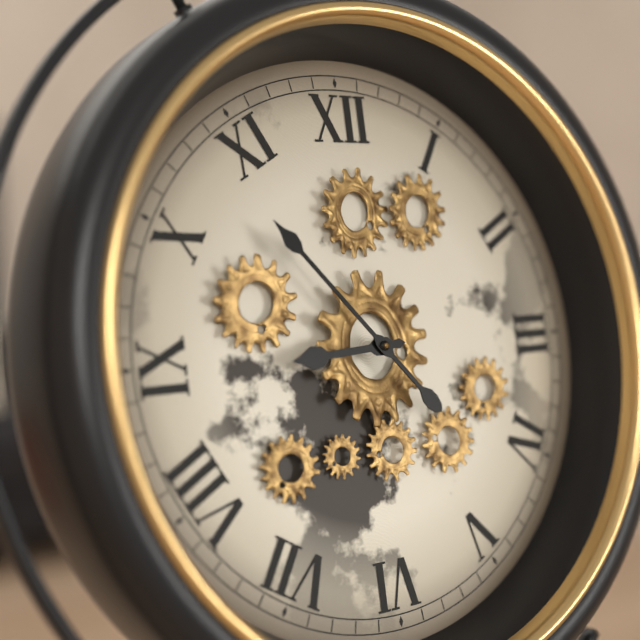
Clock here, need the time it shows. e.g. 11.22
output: 8.53
